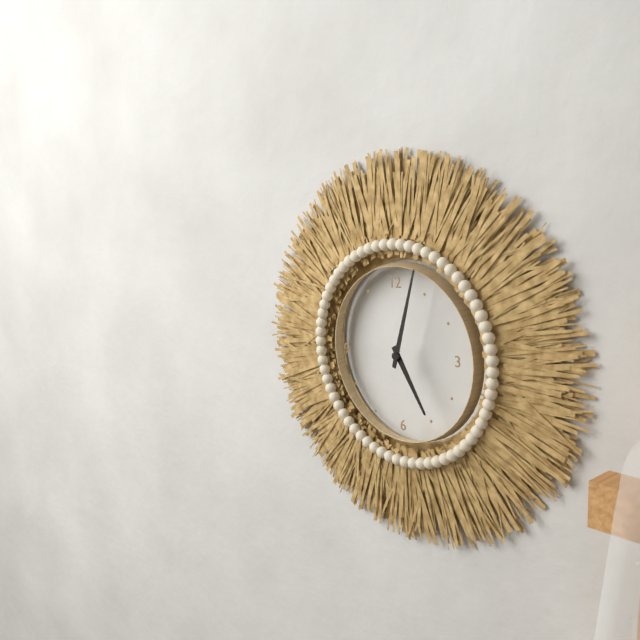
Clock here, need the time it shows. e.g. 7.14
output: 5.03
